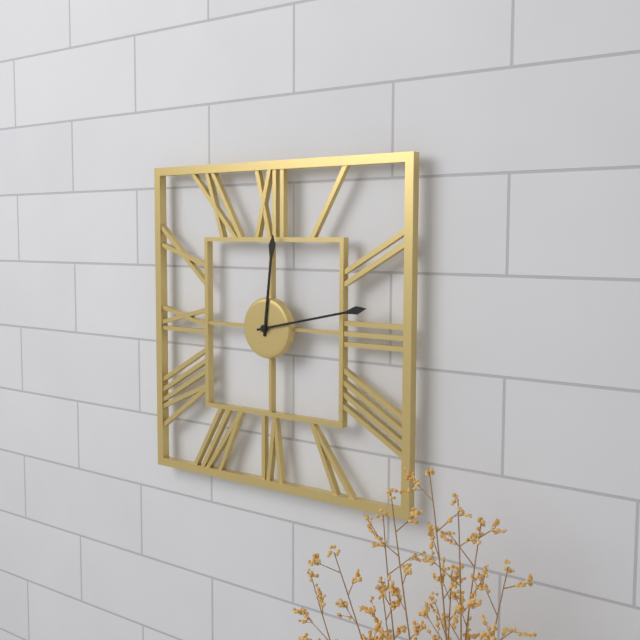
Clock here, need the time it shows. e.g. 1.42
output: 12.13
